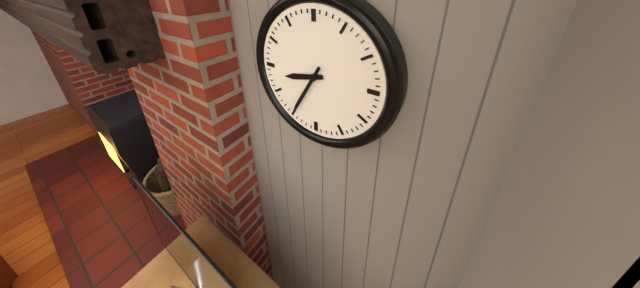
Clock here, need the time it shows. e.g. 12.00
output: 8.35
